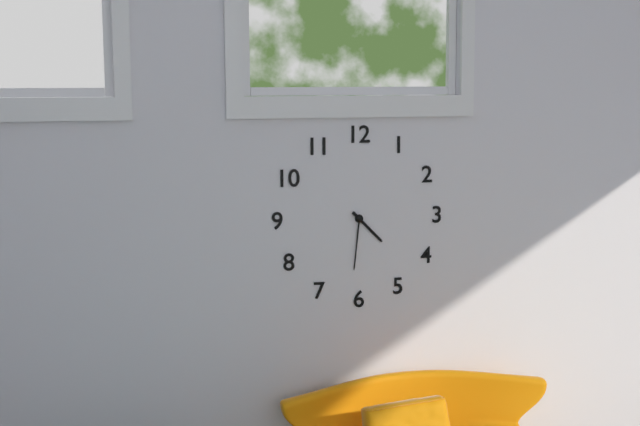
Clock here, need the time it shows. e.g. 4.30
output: 4.31
